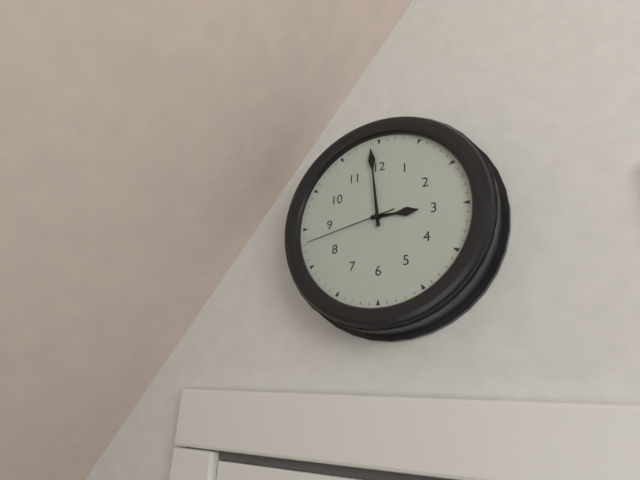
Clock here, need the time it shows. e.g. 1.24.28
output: 2.59.43
